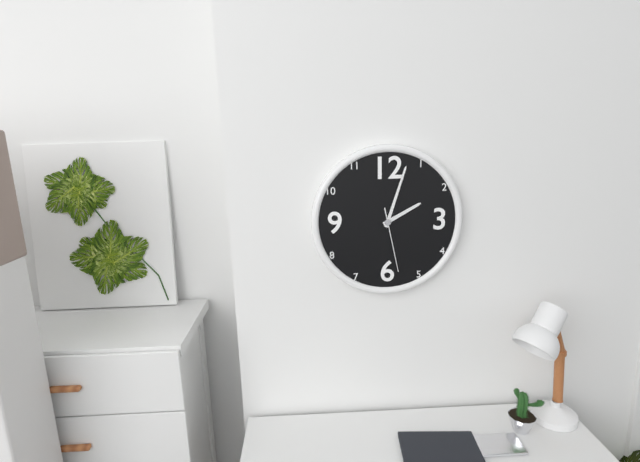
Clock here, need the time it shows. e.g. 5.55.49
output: 2.03.28
